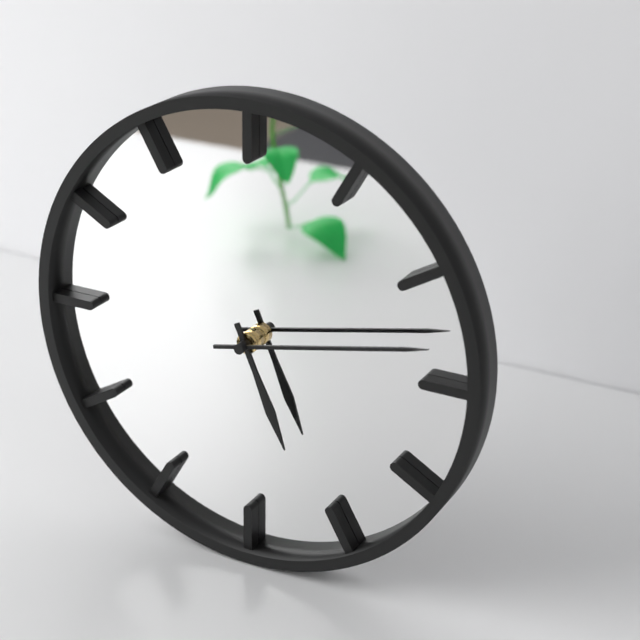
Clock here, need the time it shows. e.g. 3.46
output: 5.13
